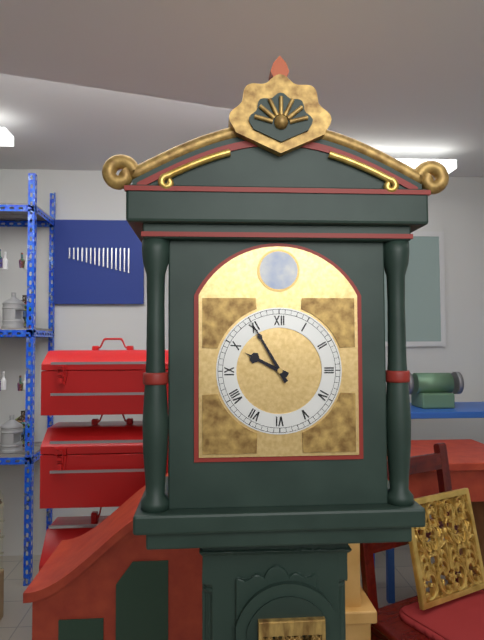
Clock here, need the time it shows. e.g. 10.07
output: 9.55
